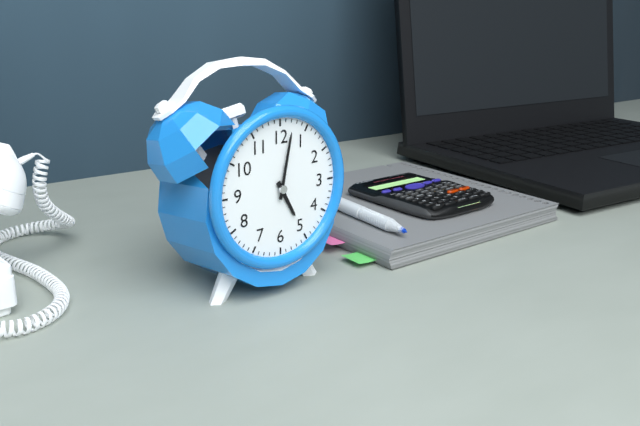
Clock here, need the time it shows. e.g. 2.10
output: 5.02
